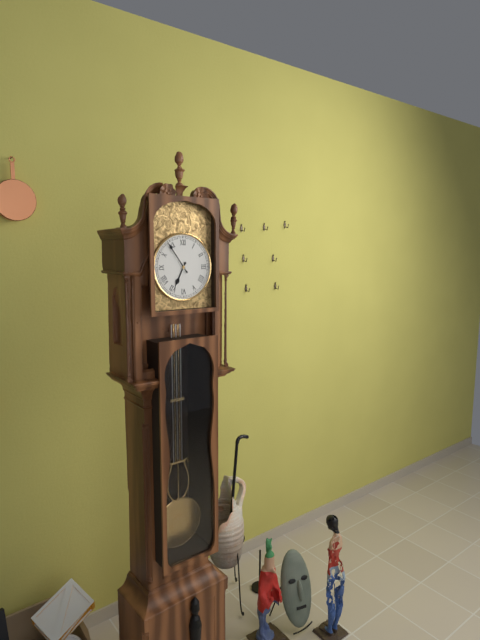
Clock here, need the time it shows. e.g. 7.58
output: 6.54
